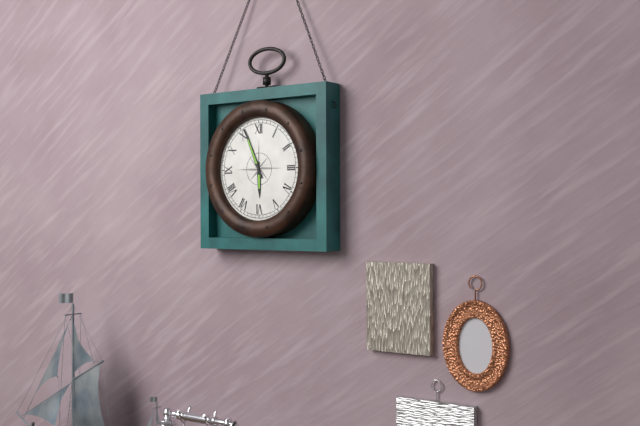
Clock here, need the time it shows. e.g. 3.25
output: 5.56
